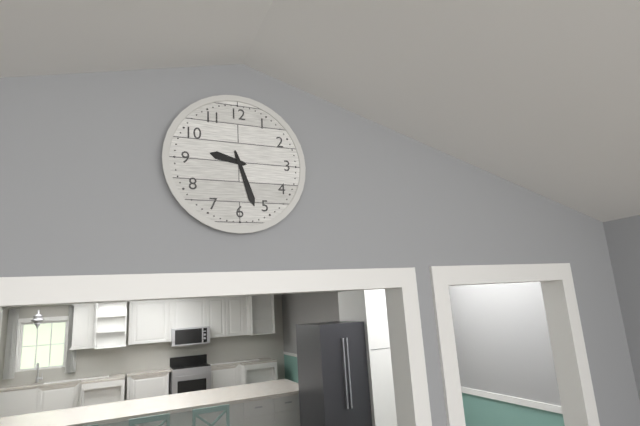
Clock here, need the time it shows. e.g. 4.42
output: 9.27
